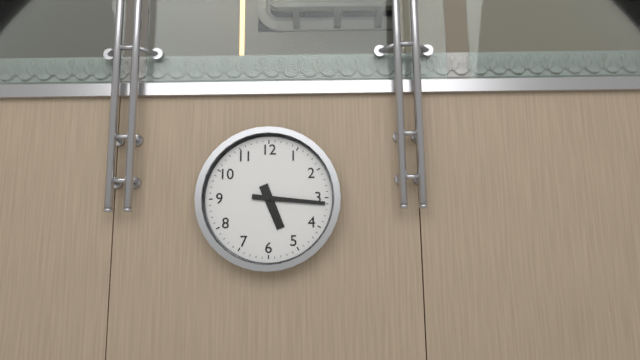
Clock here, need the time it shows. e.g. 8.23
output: 5.16
